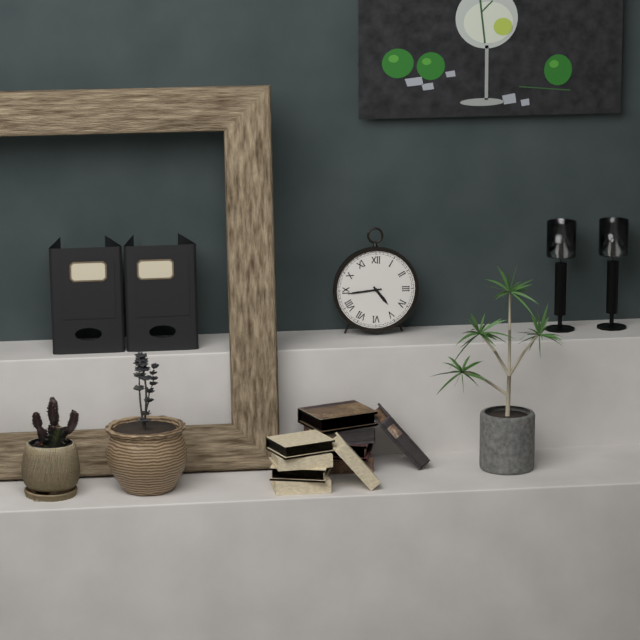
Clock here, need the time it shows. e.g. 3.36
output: 4.44
